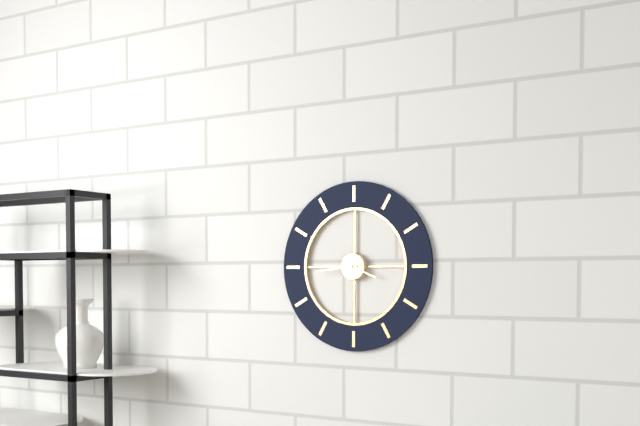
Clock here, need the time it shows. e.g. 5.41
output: 3.44
